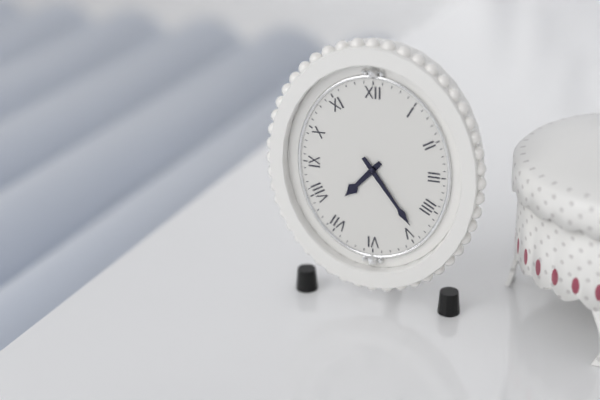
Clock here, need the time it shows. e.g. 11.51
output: 7.24
